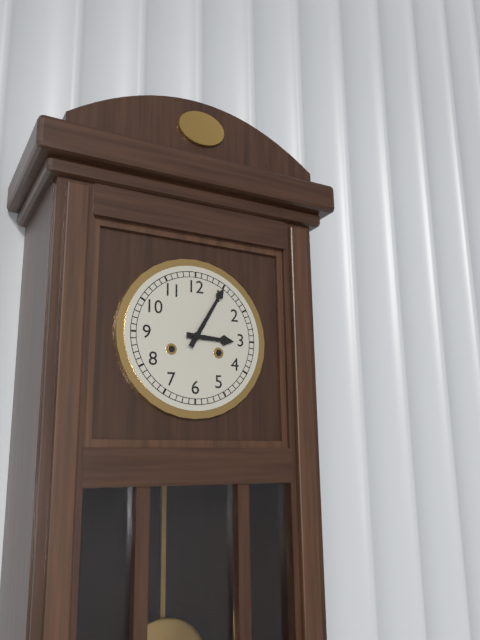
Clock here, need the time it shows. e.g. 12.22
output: 3.05
